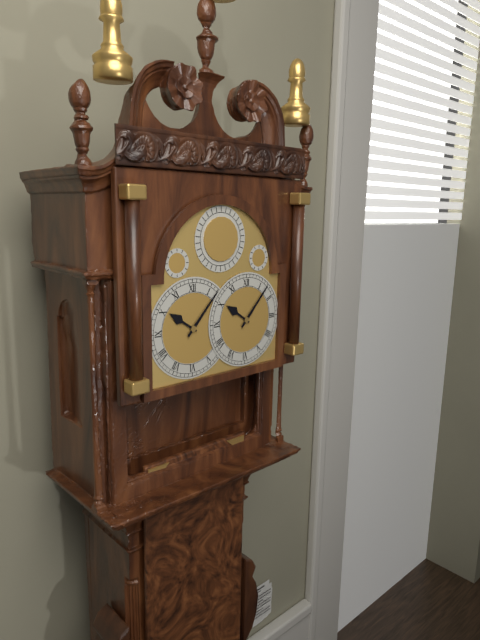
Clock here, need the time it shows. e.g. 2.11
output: 10.07
